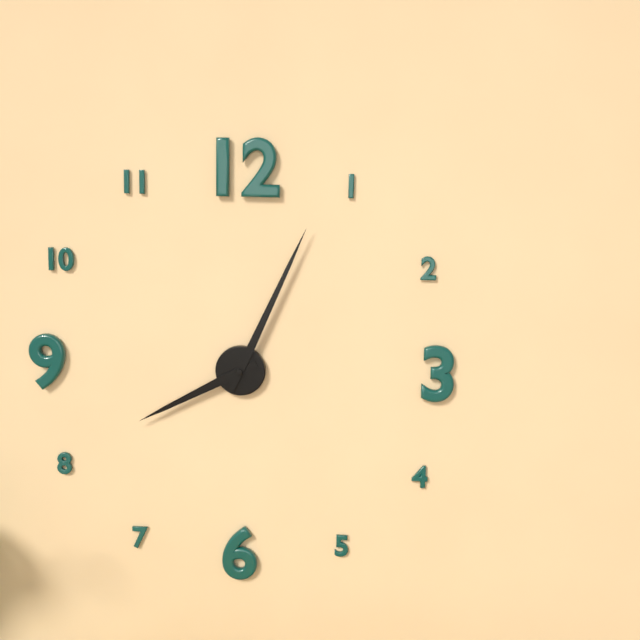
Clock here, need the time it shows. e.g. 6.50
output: 8.04
